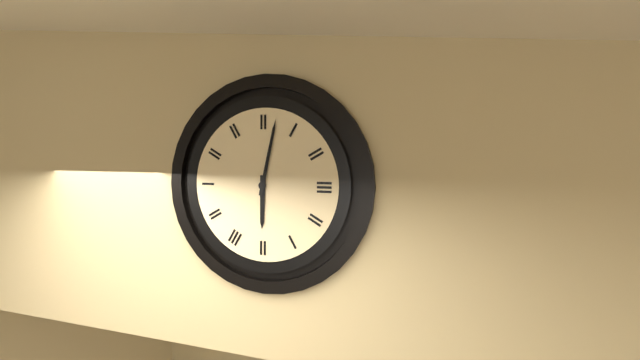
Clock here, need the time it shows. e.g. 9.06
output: 6.02
